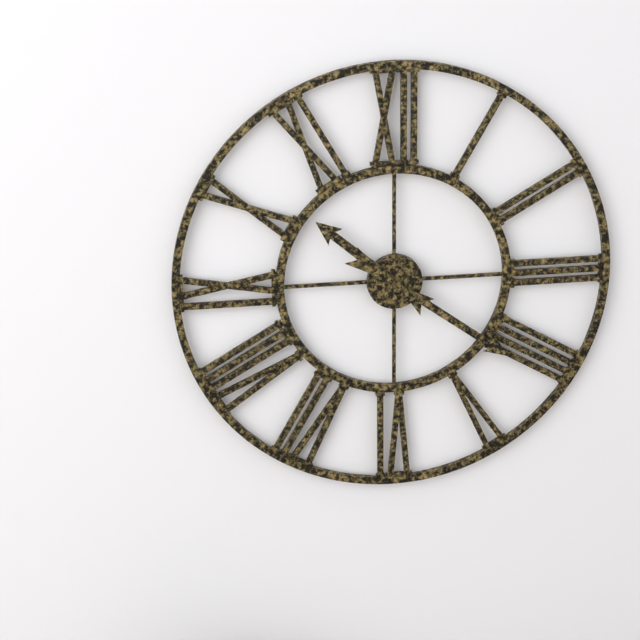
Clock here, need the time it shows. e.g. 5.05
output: 10.21
